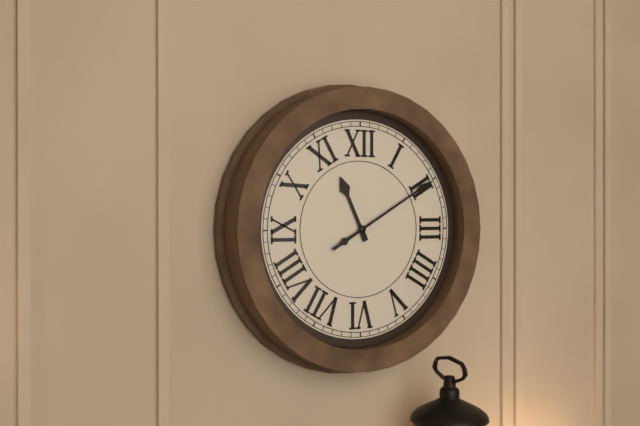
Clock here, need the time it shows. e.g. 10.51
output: 11.10
